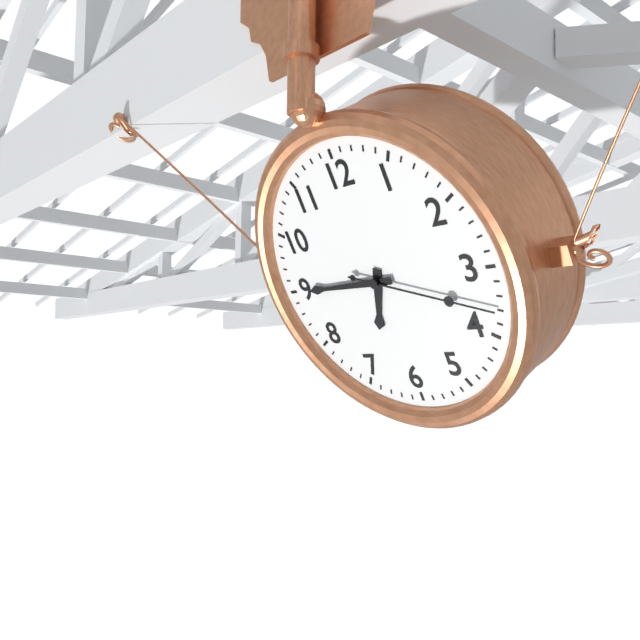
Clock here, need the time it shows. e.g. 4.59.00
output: 6.45.18
